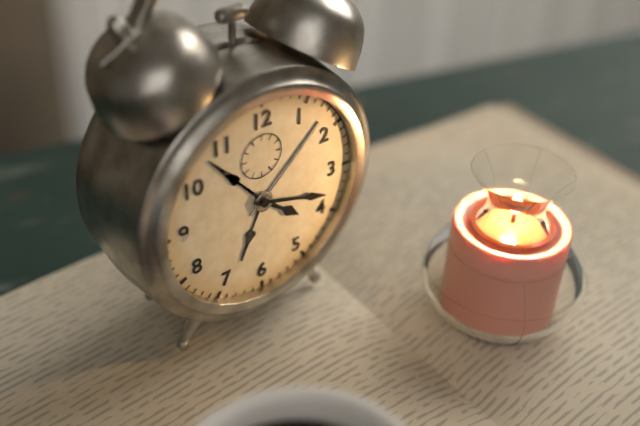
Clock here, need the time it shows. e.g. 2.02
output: 4.18
